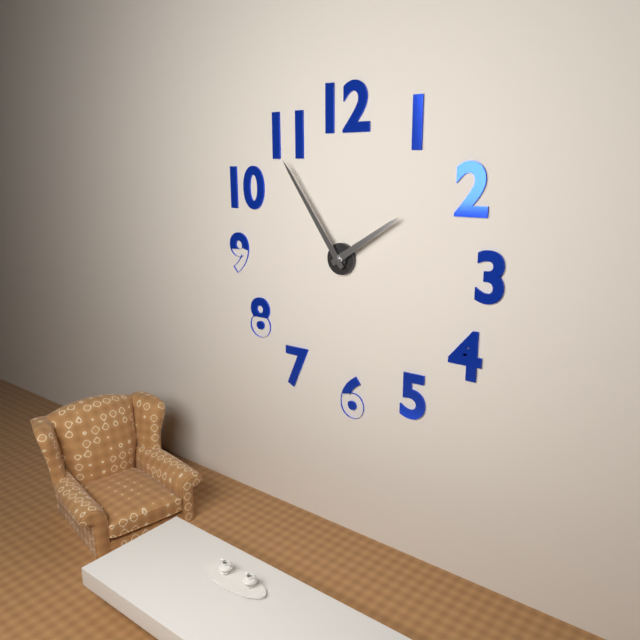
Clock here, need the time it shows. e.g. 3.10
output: 1.54
